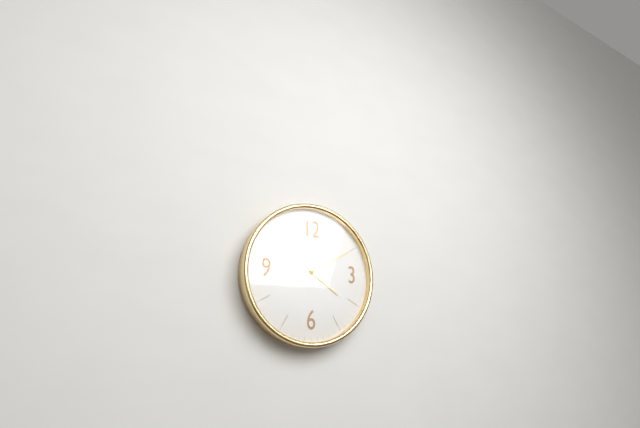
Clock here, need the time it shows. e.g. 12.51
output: 4.10
